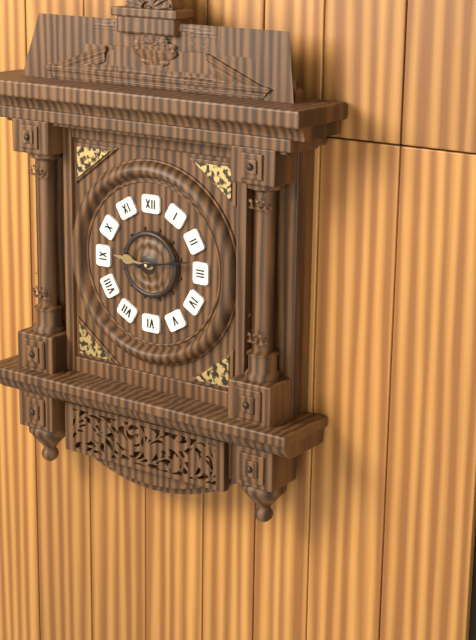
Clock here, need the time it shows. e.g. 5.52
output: 9.13
